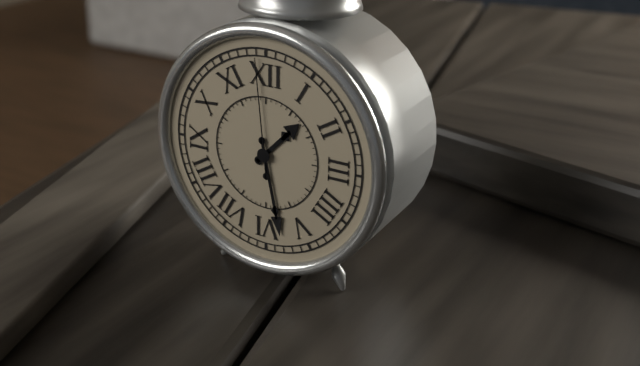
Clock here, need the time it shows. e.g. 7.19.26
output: 1.28.59
